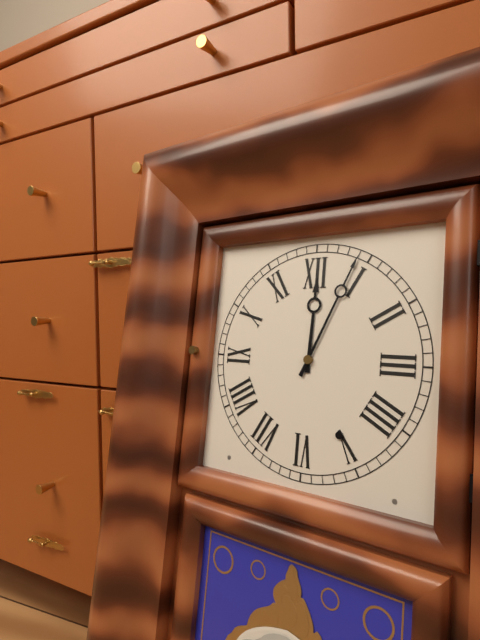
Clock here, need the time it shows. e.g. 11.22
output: 12.04
